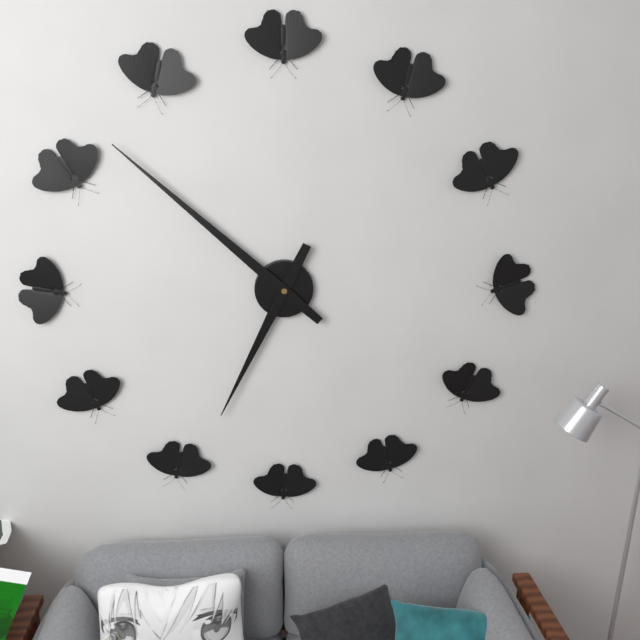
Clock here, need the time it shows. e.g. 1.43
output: 6.52
